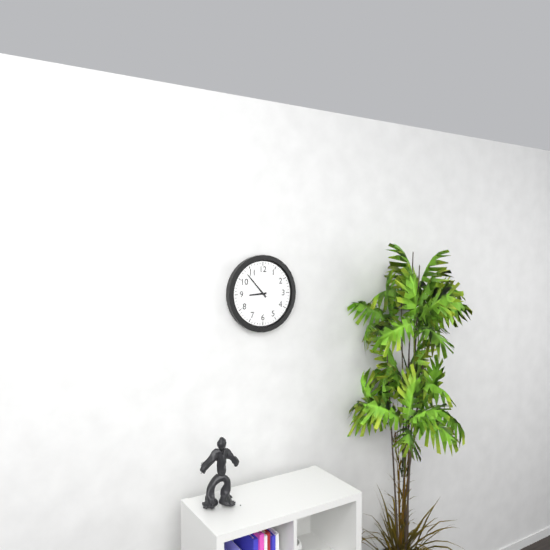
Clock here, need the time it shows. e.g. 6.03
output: 8.53
